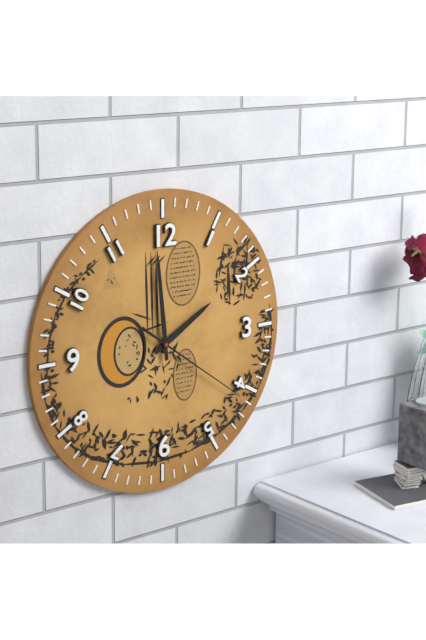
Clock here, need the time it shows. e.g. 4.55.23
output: 1.59.21
